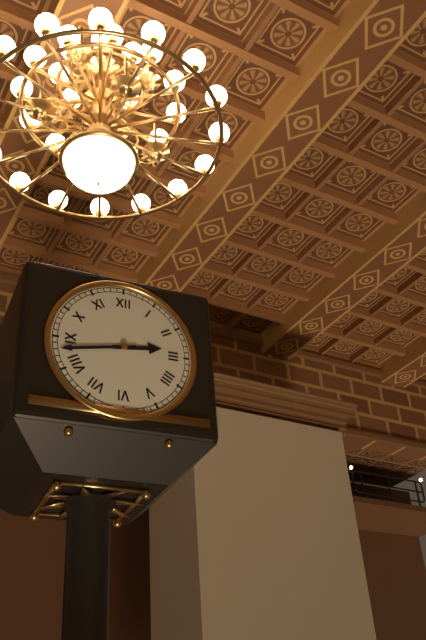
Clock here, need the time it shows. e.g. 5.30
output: 2.43
